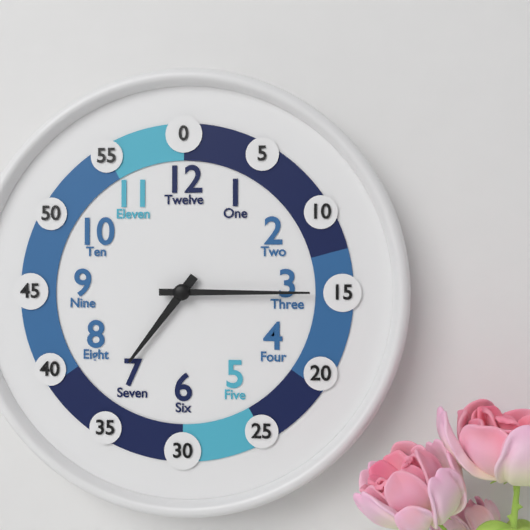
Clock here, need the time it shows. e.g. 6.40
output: 7.15
